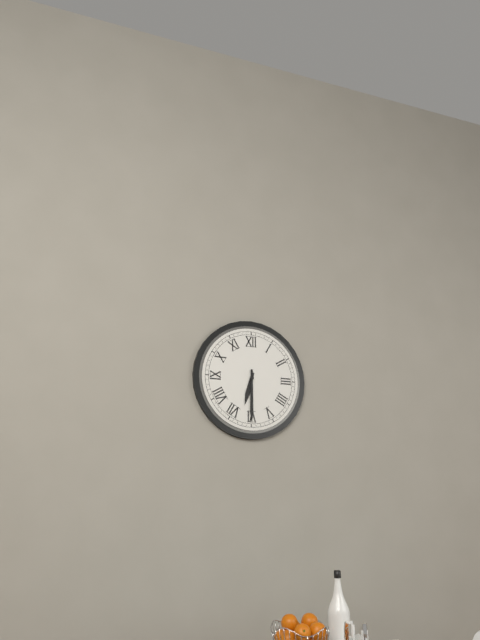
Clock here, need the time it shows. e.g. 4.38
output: 6.30
